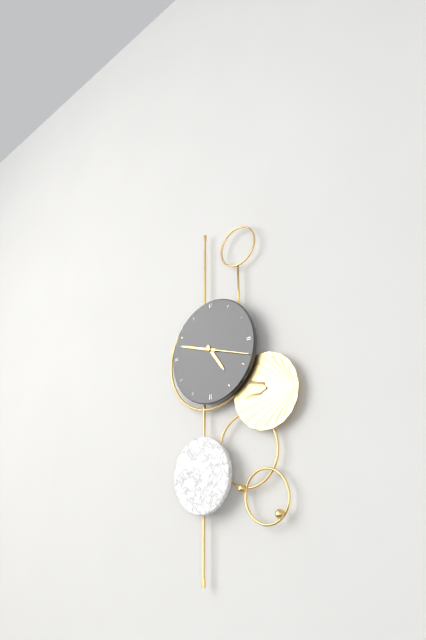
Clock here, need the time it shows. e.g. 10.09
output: 4.48
